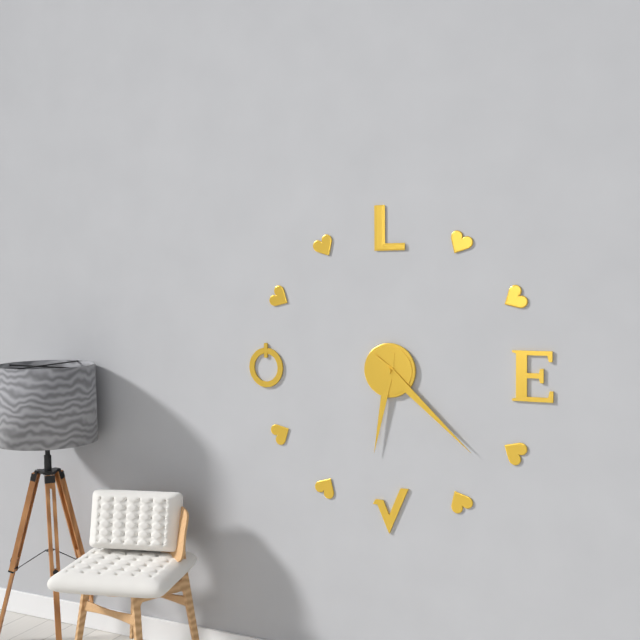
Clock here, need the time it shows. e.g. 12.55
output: 6.22
